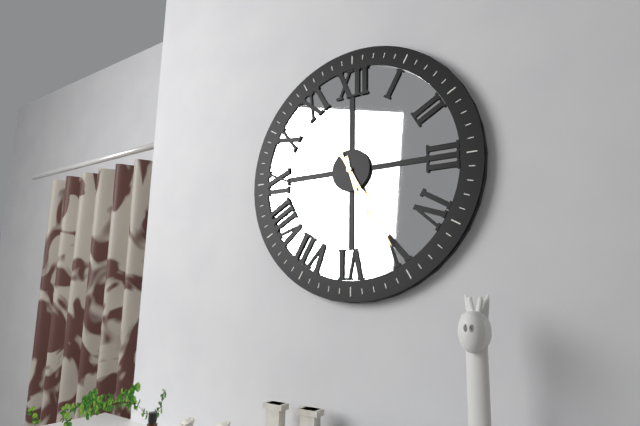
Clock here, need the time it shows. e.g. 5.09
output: 5.25
